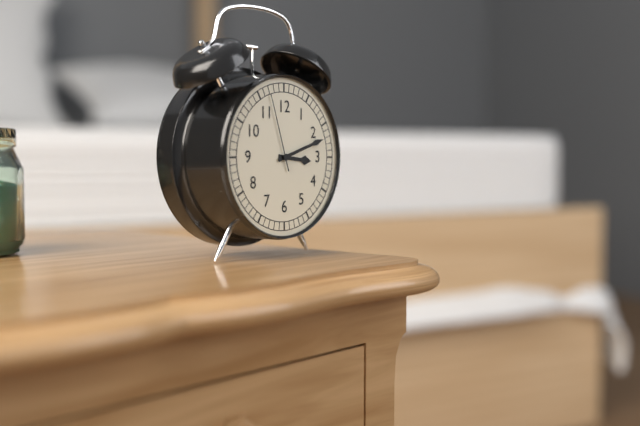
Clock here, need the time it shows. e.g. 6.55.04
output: 3.12.57
